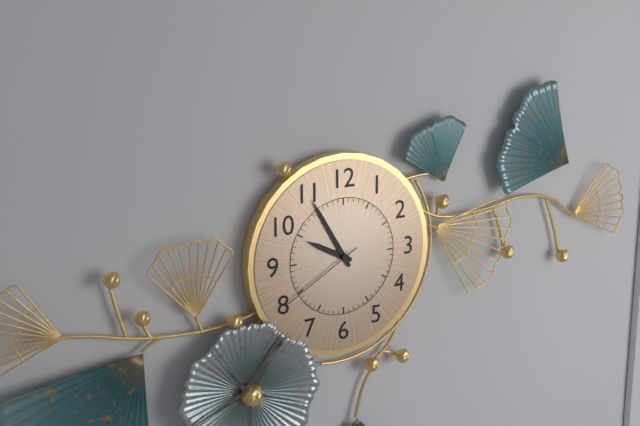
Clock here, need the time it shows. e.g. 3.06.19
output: 9.55.40
